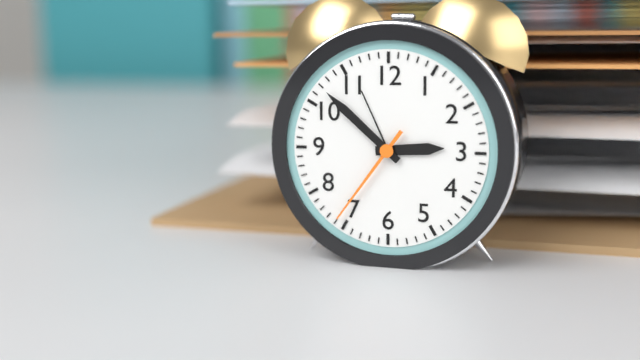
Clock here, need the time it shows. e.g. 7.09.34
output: 2.52.36
